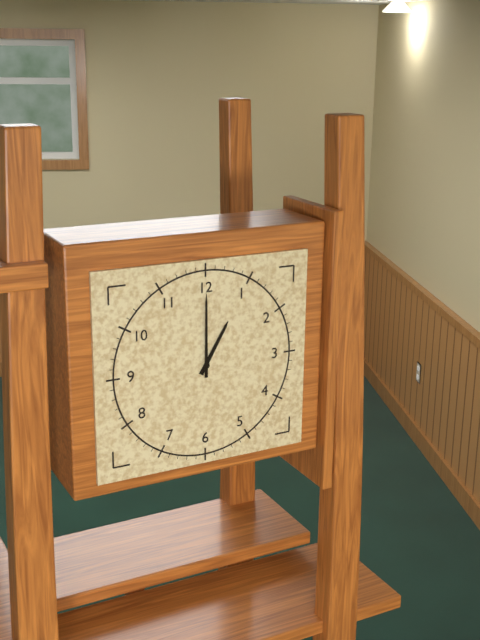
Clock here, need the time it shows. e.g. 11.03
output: 1.00
